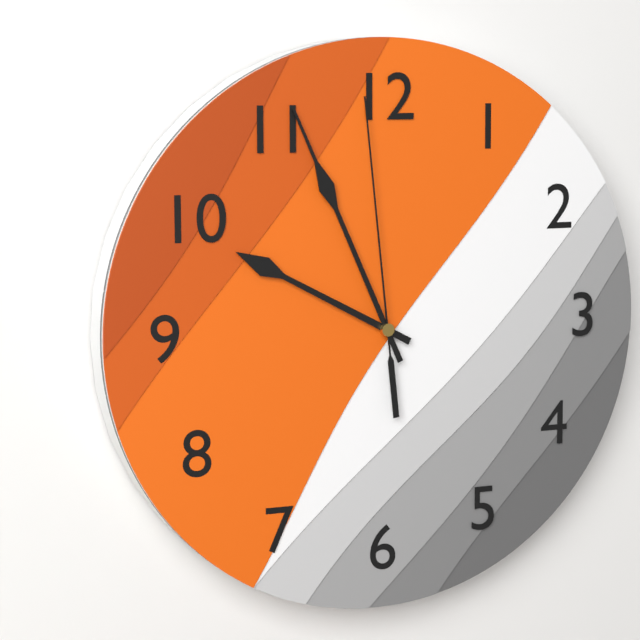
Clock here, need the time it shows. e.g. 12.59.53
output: 9.56.59
